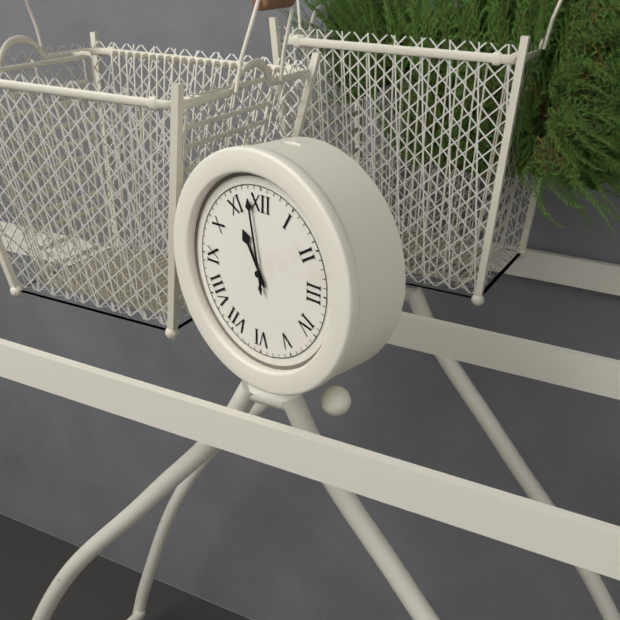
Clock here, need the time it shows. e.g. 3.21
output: 10.58
